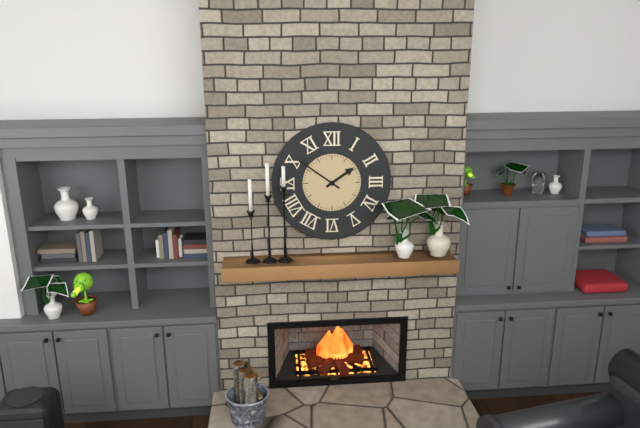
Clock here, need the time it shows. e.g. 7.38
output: 1.51
